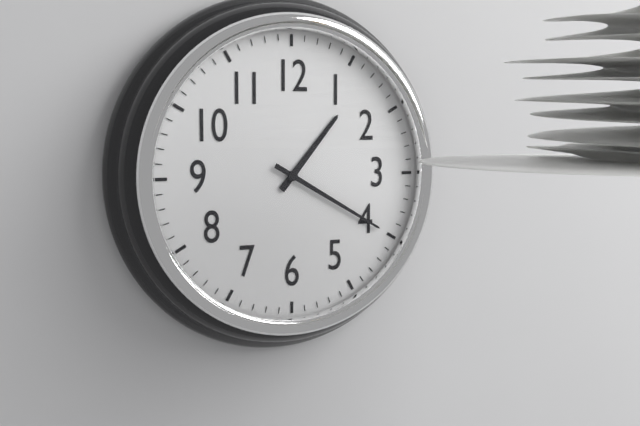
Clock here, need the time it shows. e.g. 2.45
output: 1.20
